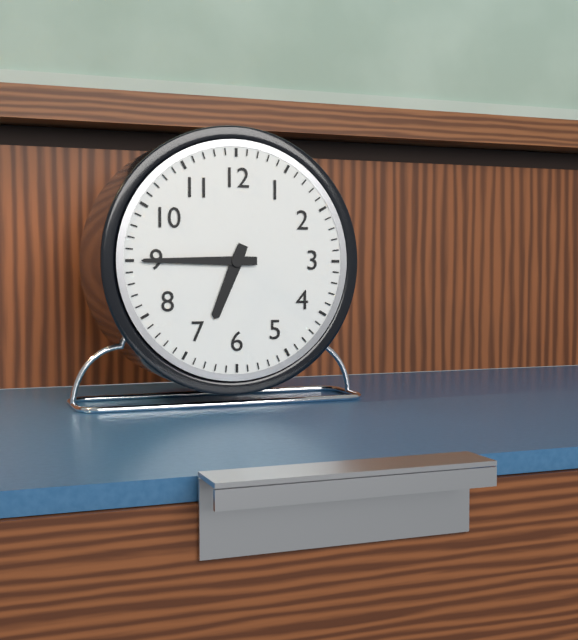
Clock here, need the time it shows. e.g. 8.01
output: 6.45
